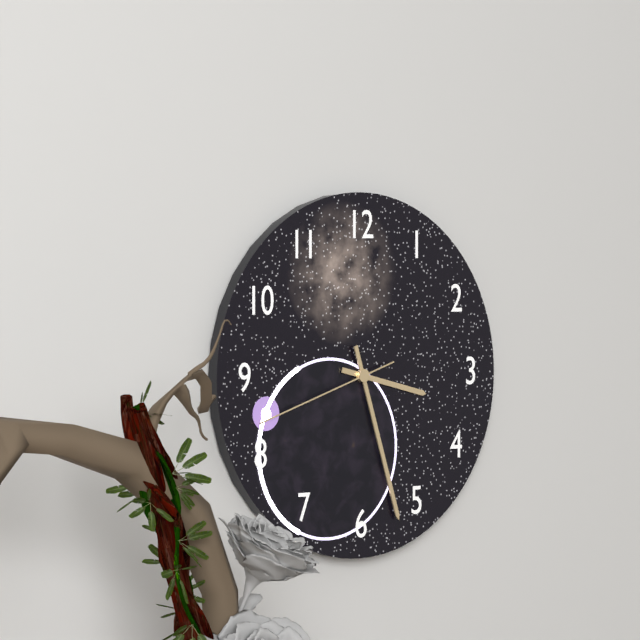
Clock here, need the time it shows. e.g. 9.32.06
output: 3.27.42
